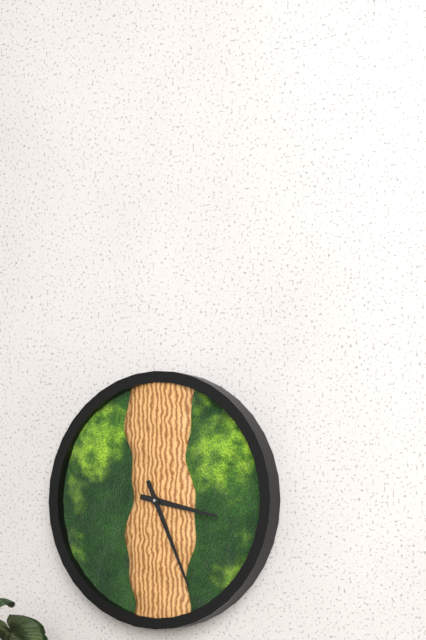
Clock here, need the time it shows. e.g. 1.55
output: 3.26
